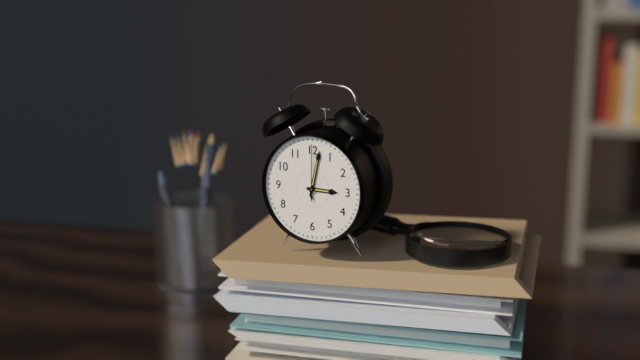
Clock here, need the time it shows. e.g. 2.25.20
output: 3.02.00
